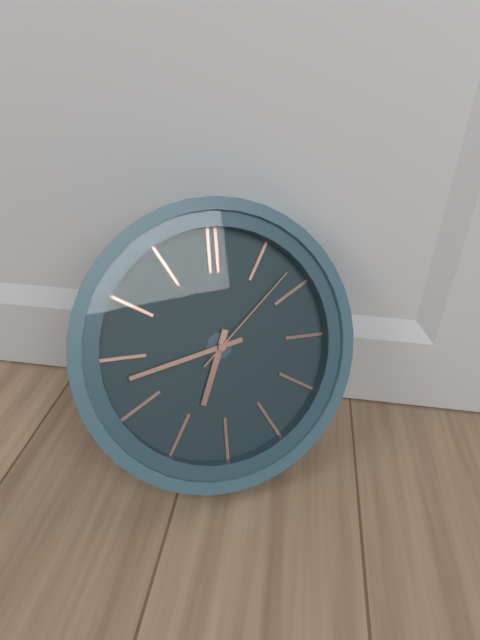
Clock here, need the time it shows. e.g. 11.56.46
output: 6.43.08
